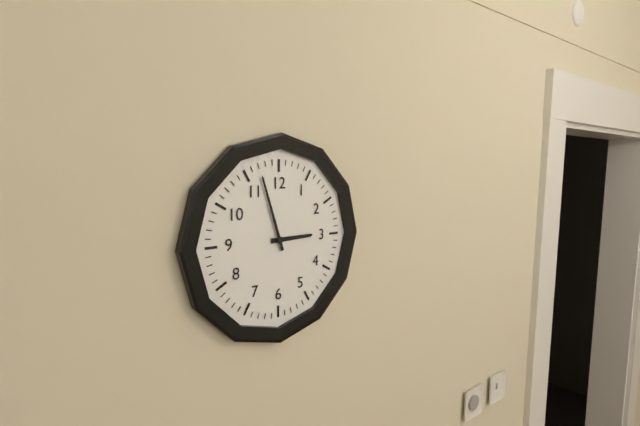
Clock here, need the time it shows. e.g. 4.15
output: 2.57
